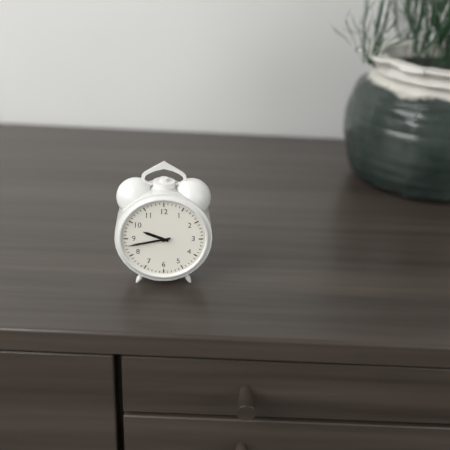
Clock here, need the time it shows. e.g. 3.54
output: 9.43
